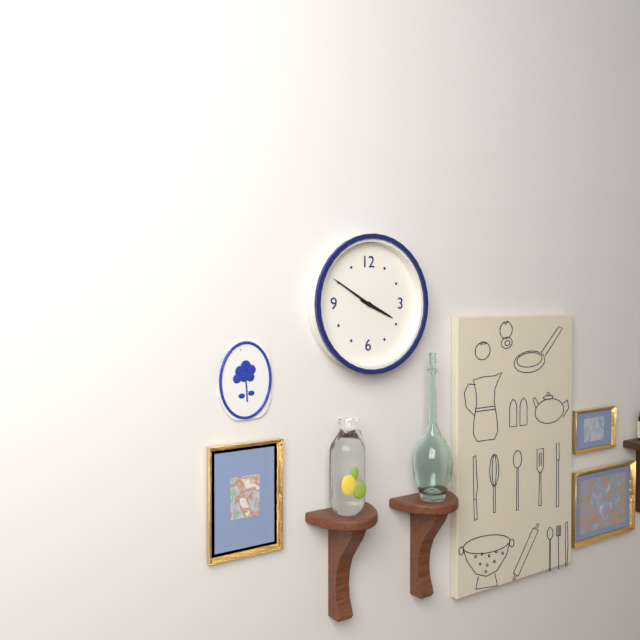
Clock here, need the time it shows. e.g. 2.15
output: 3.50
